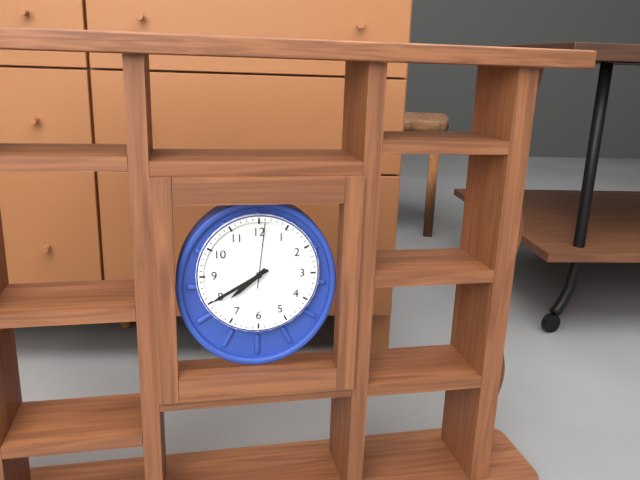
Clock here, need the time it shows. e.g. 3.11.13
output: 7.40.01
